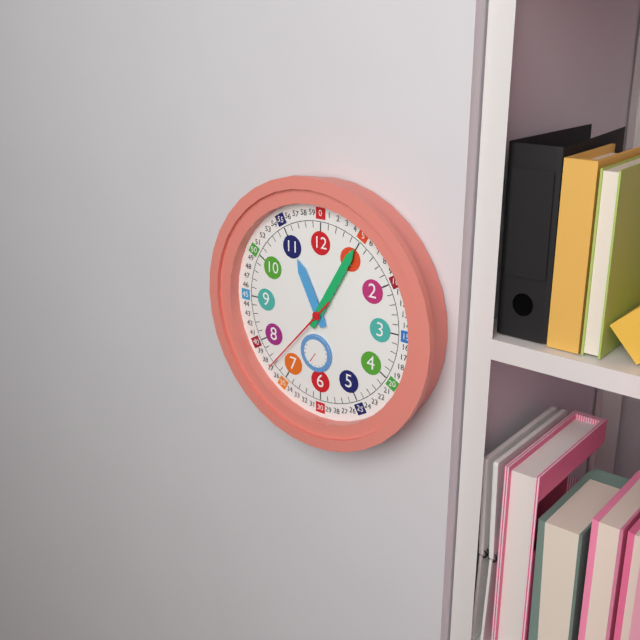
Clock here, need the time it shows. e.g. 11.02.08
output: 11.05.37
